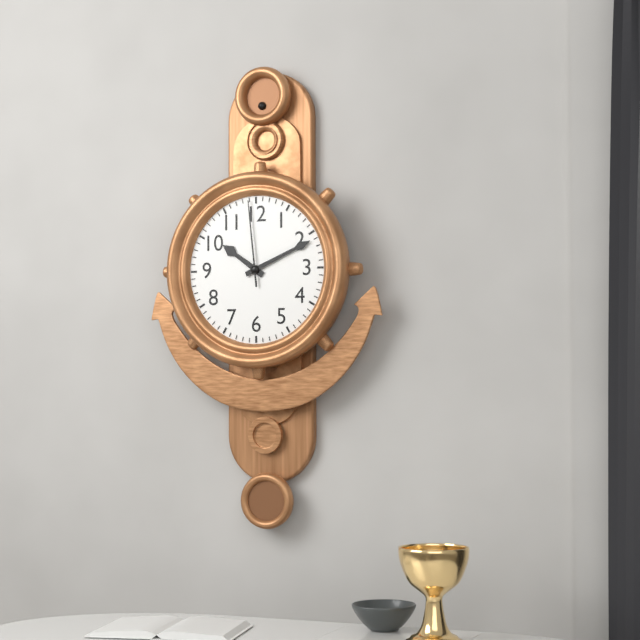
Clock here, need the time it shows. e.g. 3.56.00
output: 10.11.59
